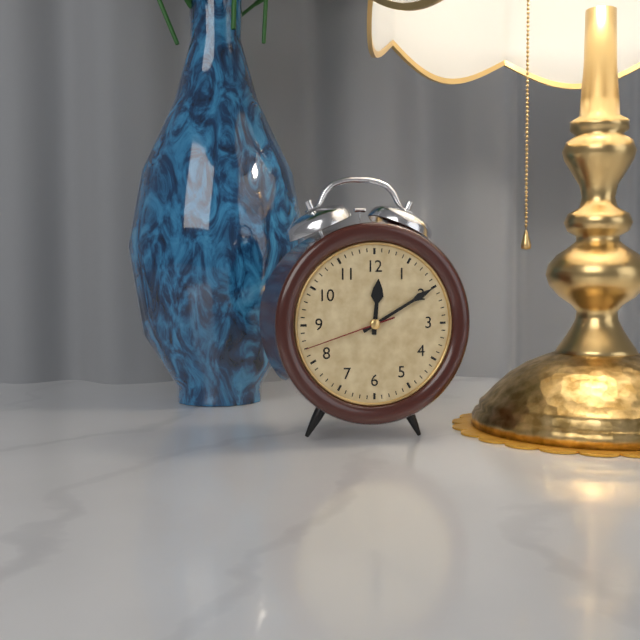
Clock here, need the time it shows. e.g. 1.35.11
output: 12.10.42
